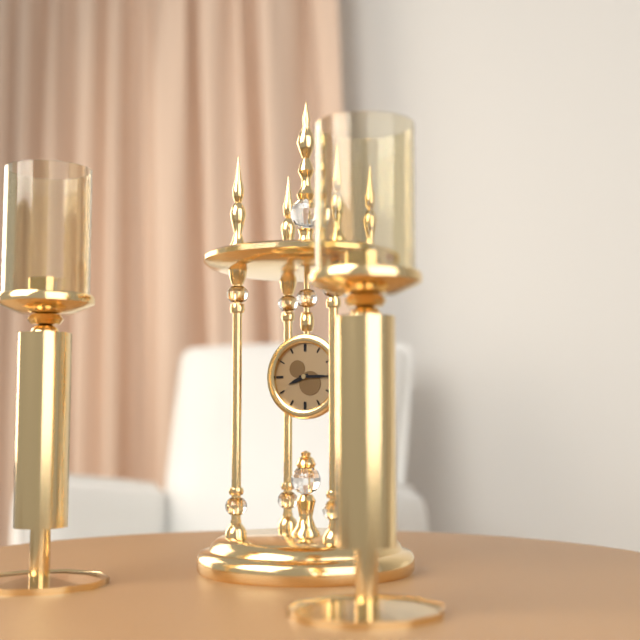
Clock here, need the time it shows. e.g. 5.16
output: 8.15
